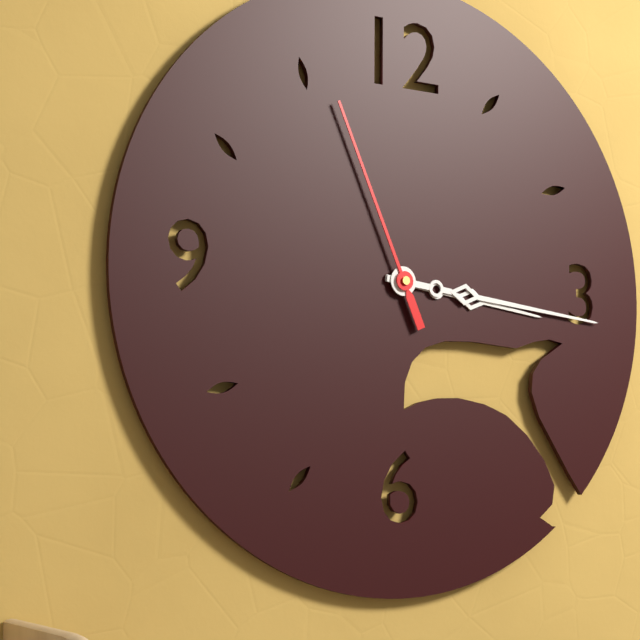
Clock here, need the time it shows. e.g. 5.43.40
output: 3.16.56
